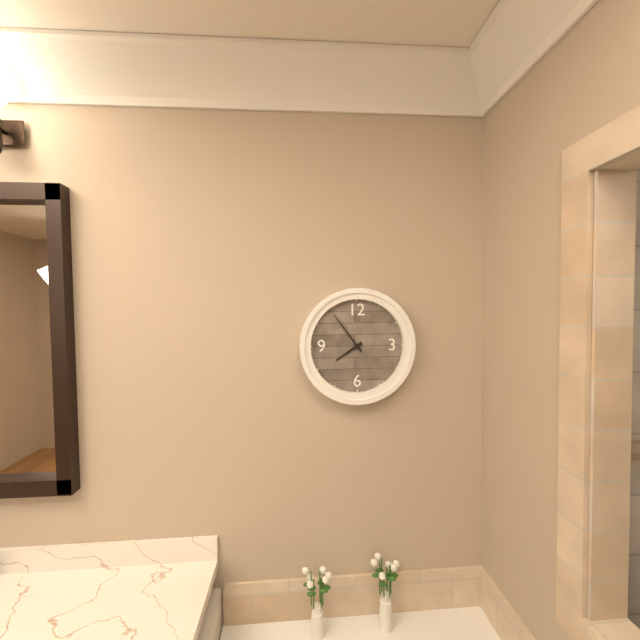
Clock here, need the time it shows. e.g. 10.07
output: 7.54
